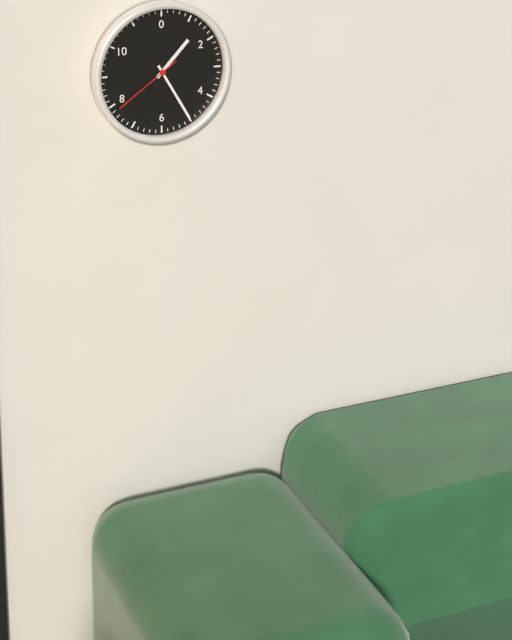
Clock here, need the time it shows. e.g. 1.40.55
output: 1.25.39
